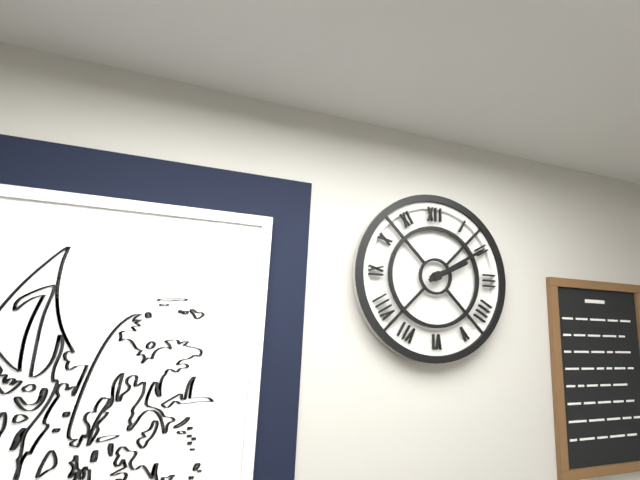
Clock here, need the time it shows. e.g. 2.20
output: 2.10
